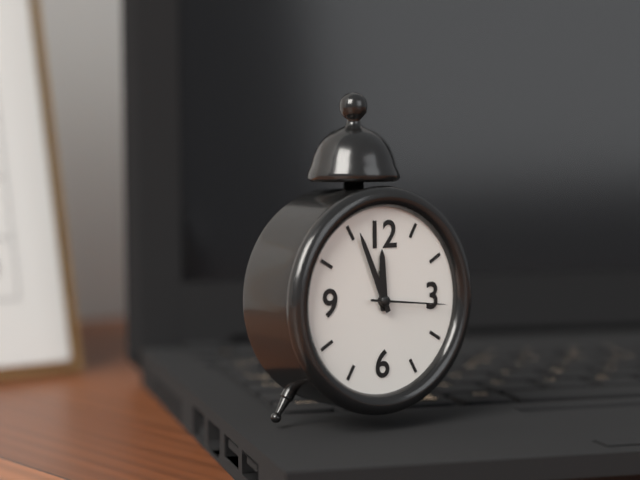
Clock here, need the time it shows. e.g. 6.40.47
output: 11.56.16
